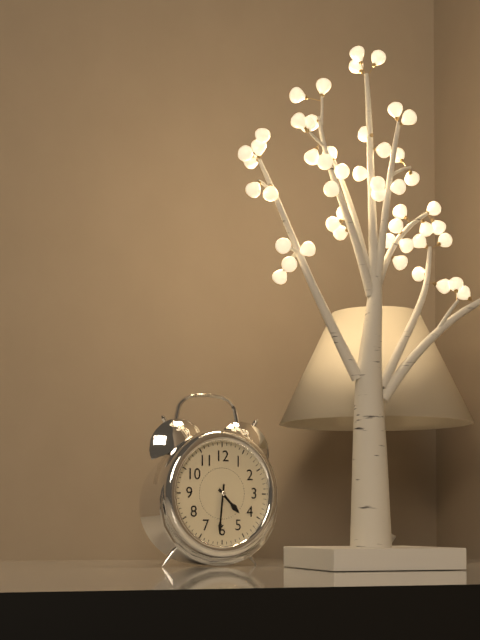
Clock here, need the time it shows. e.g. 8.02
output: 4.31
